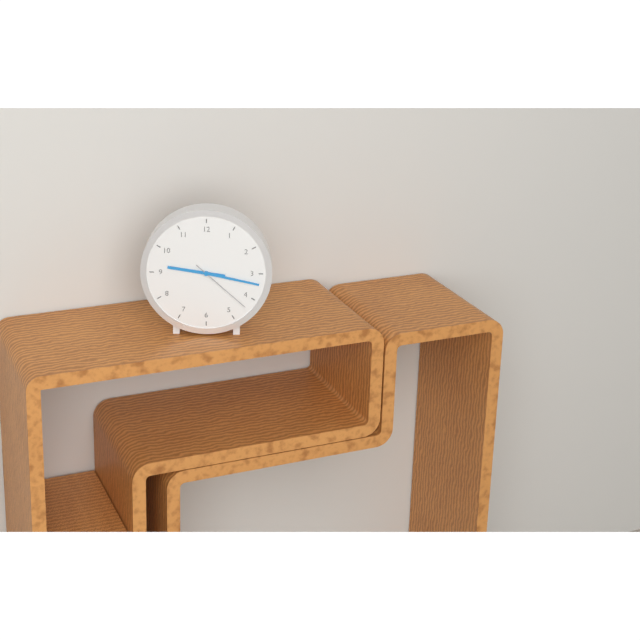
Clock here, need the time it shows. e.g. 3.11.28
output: 9.17.22
